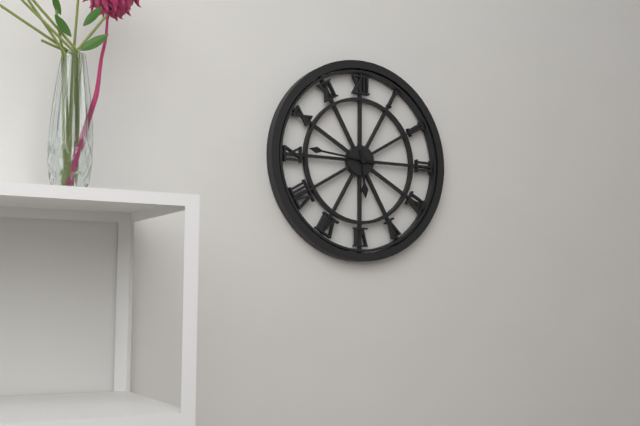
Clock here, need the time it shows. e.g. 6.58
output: 5.46
